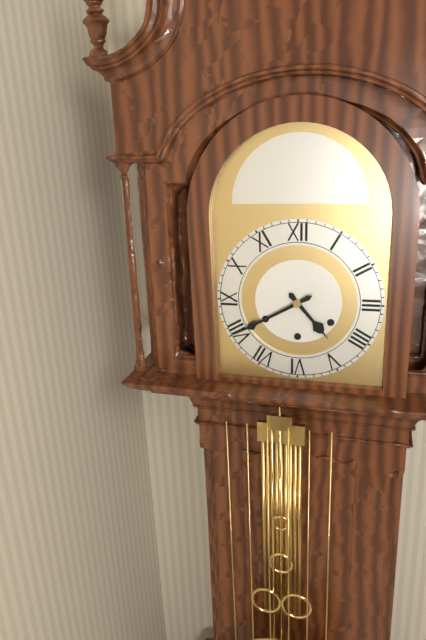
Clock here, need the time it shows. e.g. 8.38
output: 4.40
